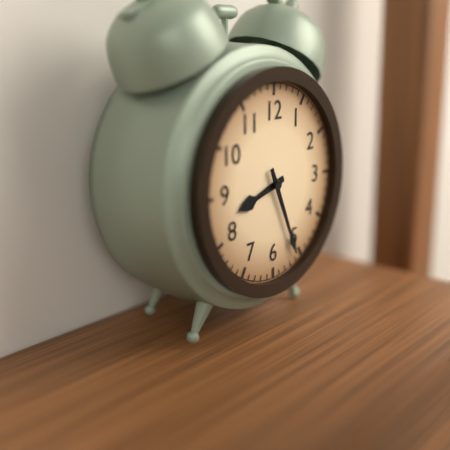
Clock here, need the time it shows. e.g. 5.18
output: 8.26
